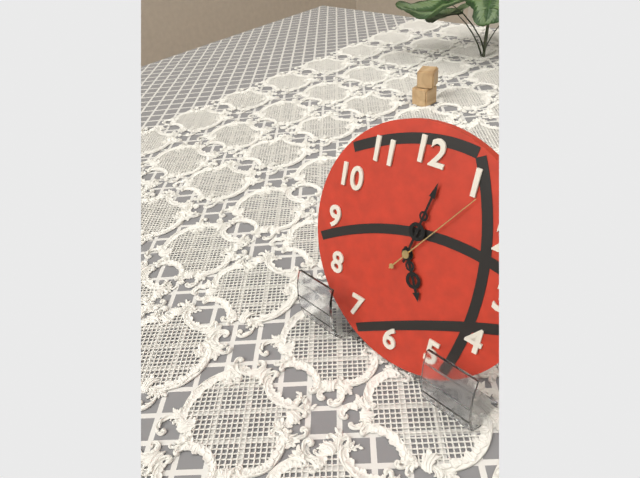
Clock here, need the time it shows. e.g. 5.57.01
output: 5.02.06
